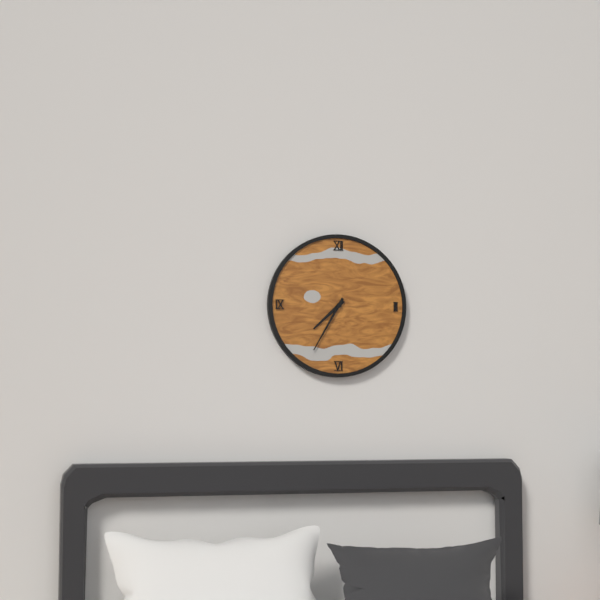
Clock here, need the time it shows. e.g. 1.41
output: 7.35
